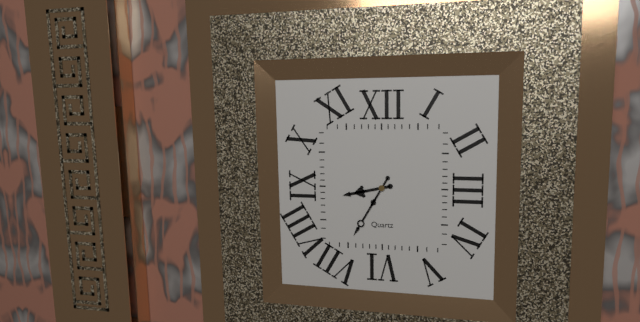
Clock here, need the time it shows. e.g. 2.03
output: 8.35
